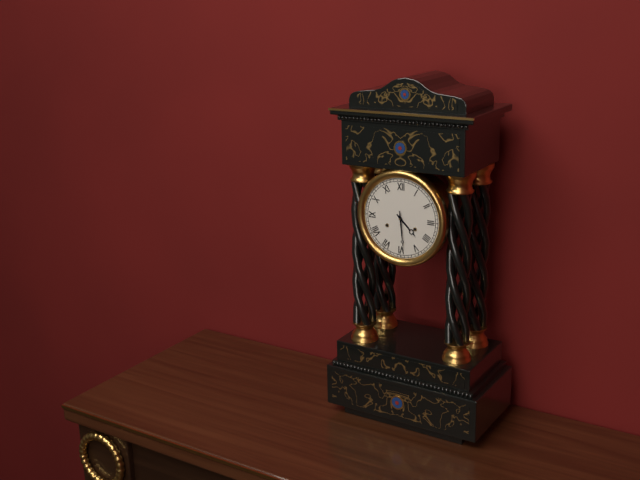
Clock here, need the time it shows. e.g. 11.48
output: 4.29
